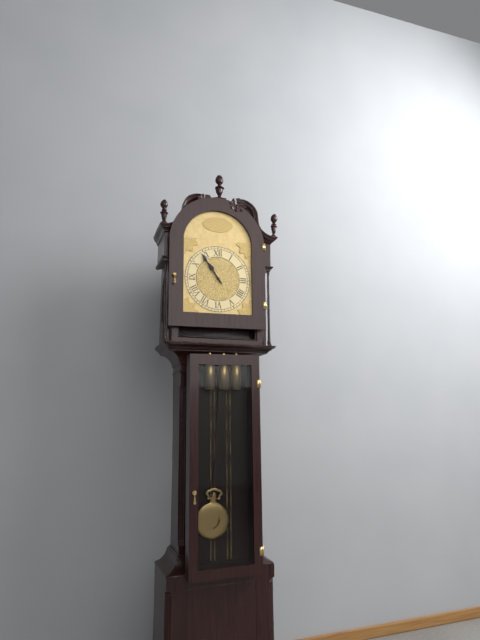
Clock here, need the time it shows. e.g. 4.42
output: 10.54
